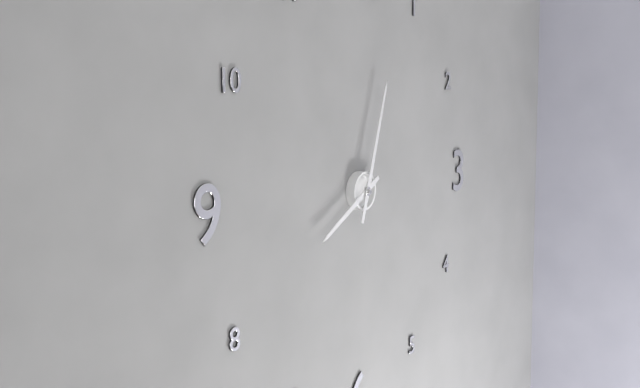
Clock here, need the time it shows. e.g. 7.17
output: 8.03
